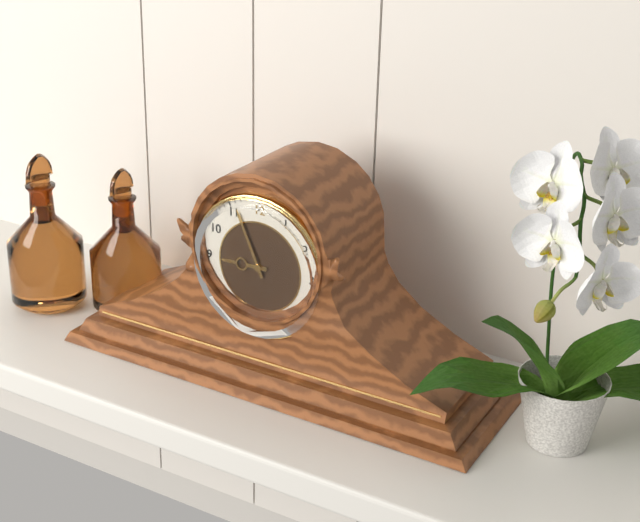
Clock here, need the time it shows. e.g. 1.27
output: 8.56
